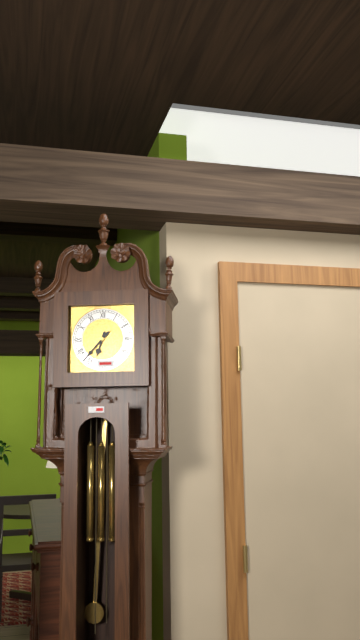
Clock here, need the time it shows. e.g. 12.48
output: 6.37
